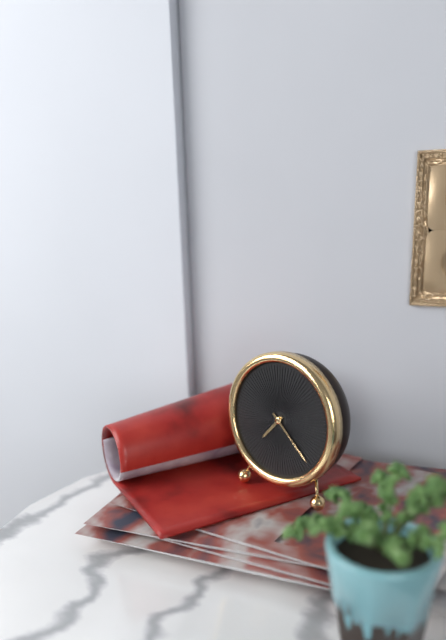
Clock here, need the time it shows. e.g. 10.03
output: 7.22
